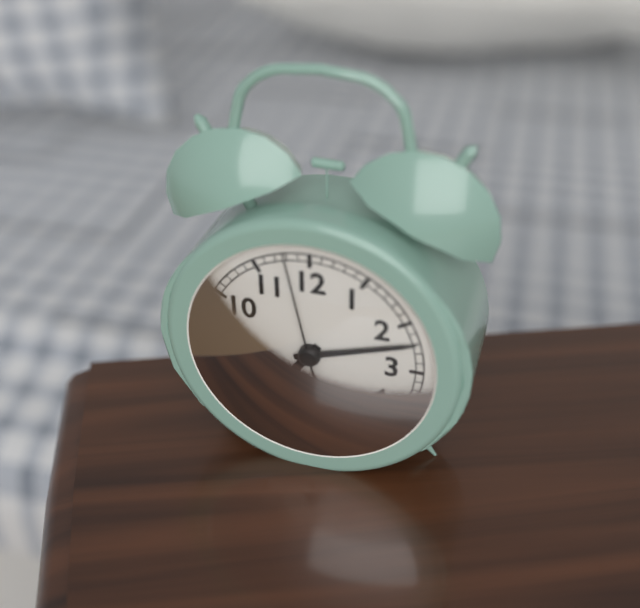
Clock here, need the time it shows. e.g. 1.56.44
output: 7.12.58
